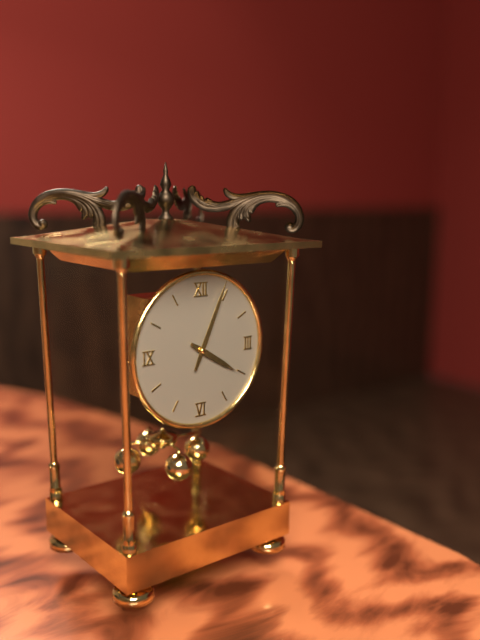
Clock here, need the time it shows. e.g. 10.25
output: 4.04
